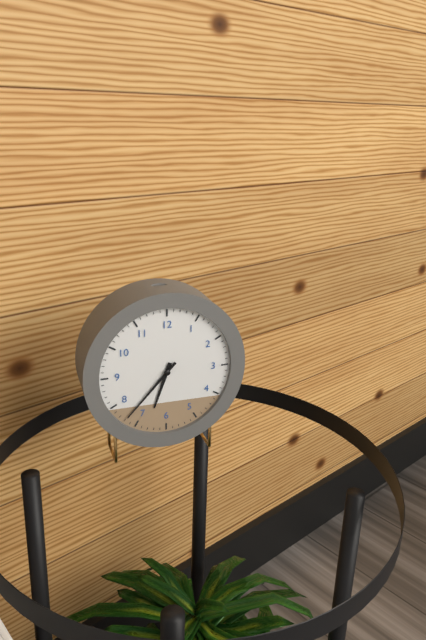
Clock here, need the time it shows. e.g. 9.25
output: 6.37
